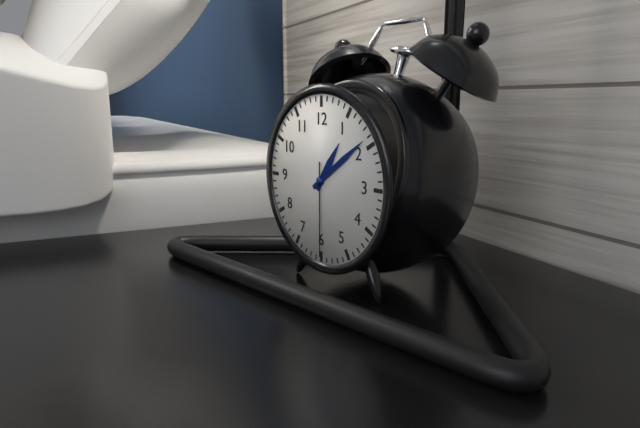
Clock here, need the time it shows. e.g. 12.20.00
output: 1.09.30
